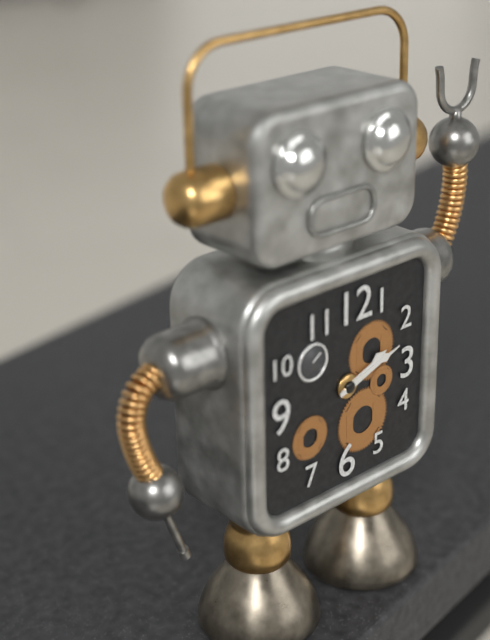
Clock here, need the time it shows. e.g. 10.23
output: 2.12
